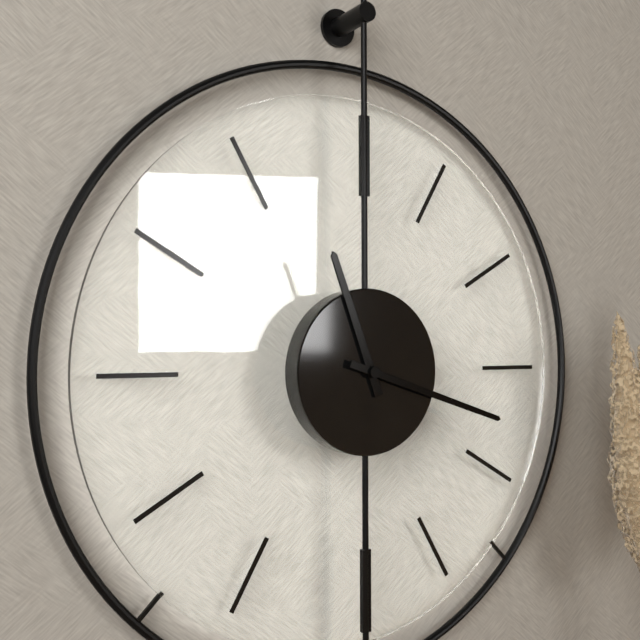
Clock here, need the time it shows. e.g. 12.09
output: 11.18
